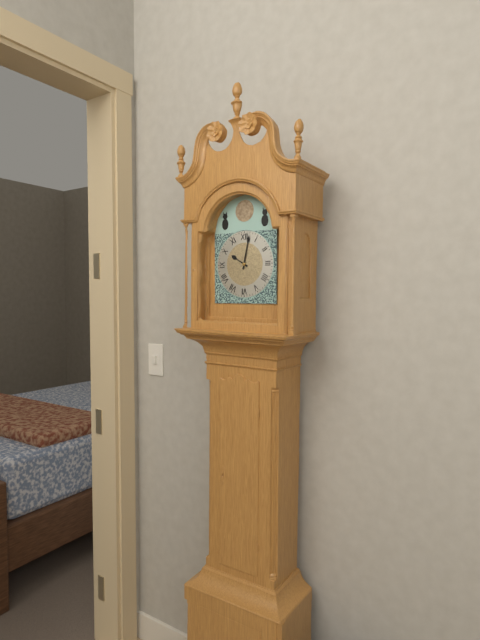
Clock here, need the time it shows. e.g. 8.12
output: 10.02
